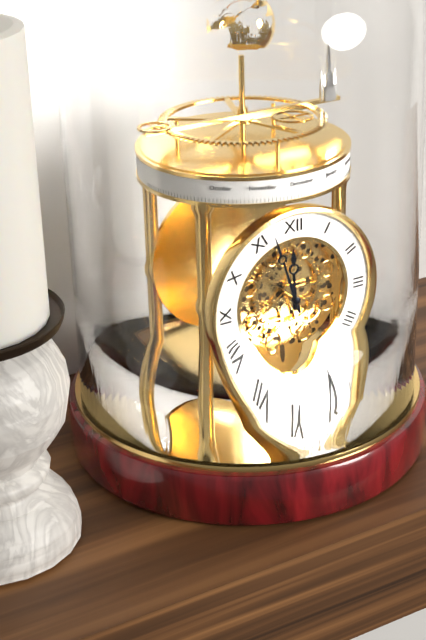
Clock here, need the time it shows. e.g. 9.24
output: 11.57
